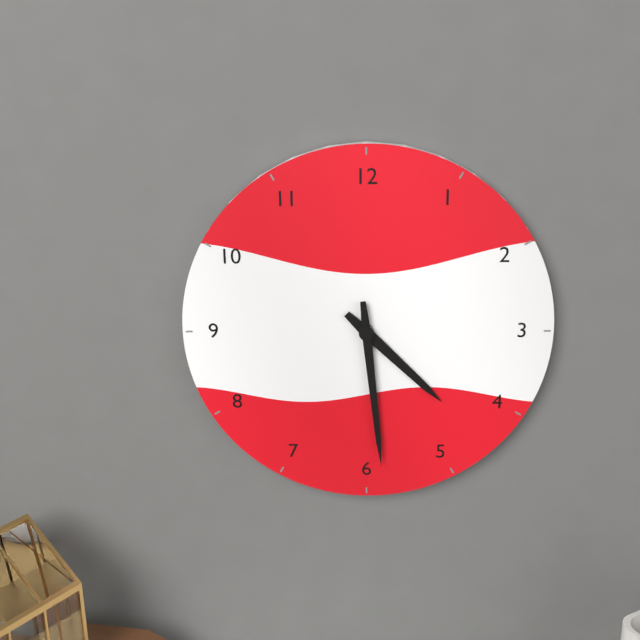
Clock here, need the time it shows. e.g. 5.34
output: 4.29
